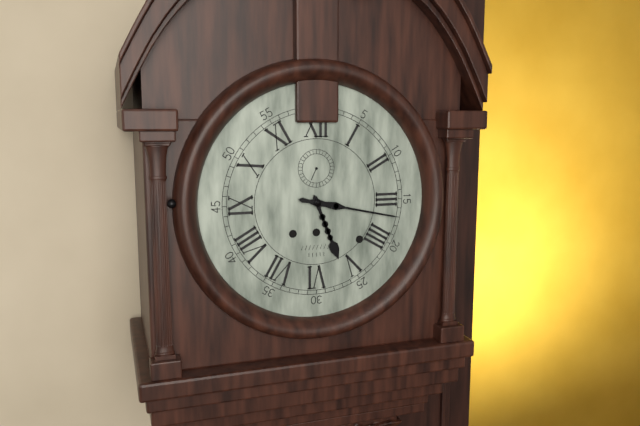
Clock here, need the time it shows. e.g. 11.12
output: 5.17
